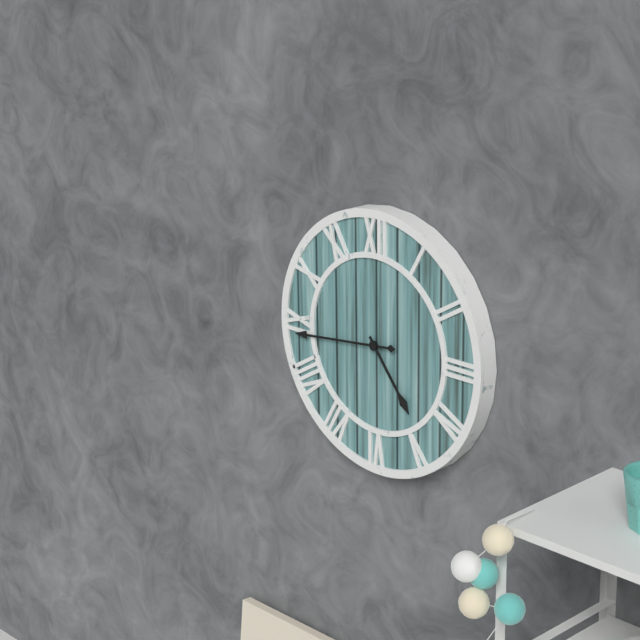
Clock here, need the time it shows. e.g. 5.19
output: 4.44
